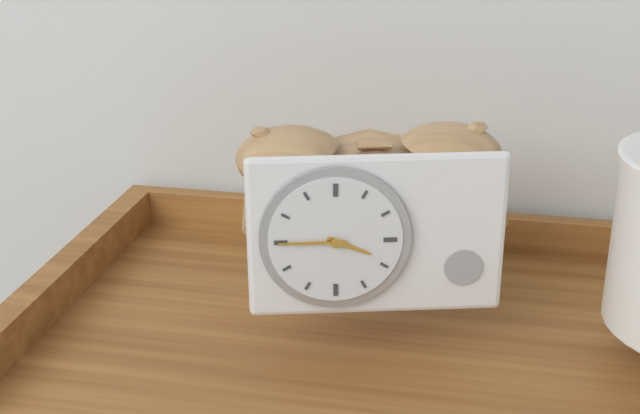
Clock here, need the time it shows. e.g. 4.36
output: 3.45
